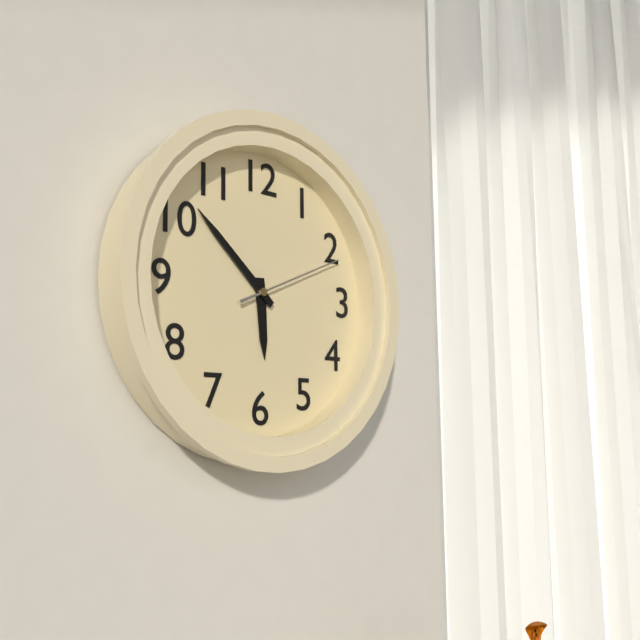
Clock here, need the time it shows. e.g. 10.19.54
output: 5.52.11
